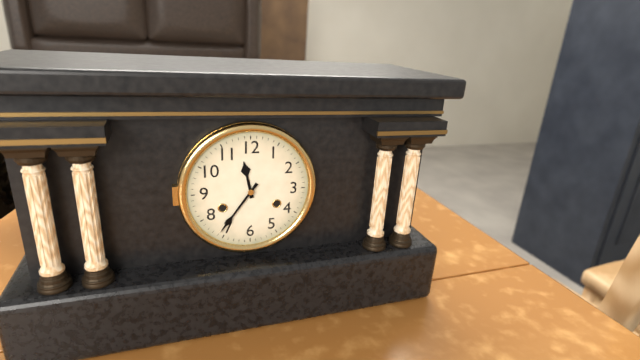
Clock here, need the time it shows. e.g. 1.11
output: 11.36
